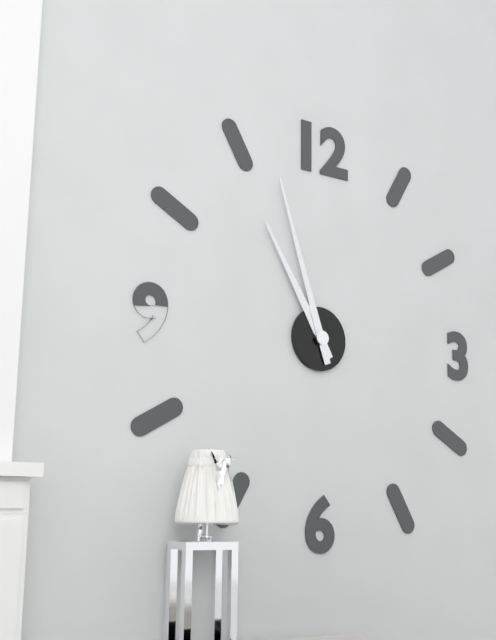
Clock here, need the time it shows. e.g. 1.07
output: 10.57
